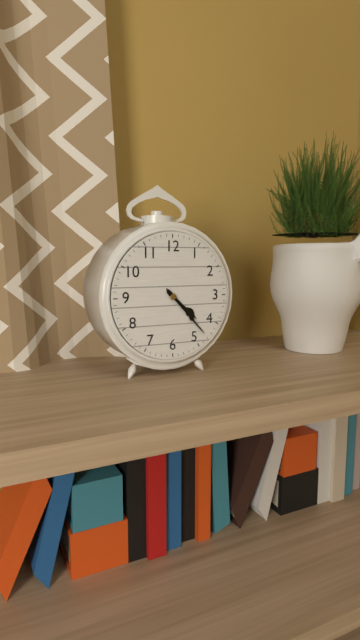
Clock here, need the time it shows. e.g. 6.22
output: 4.23
